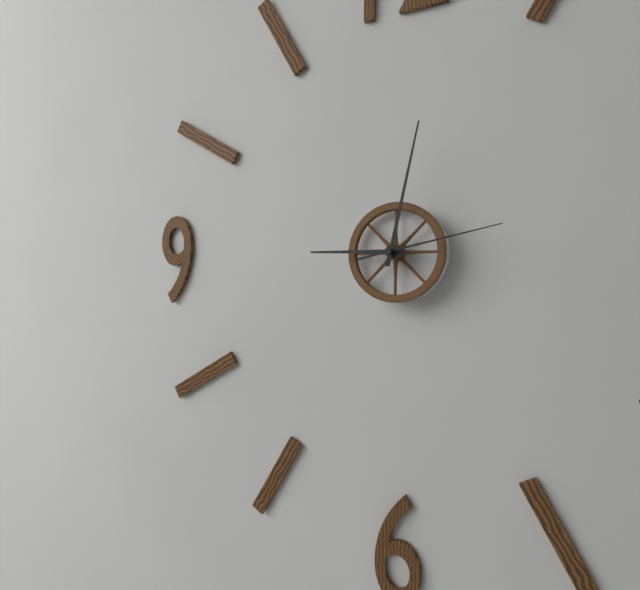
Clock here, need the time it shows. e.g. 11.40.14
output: 9.02.13
